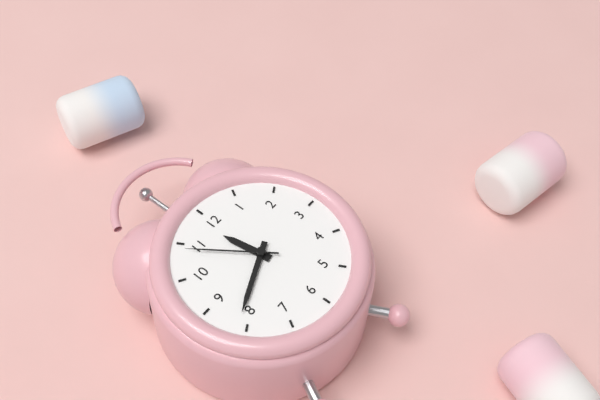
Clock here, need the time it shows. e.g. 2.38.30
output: 11.41.54
